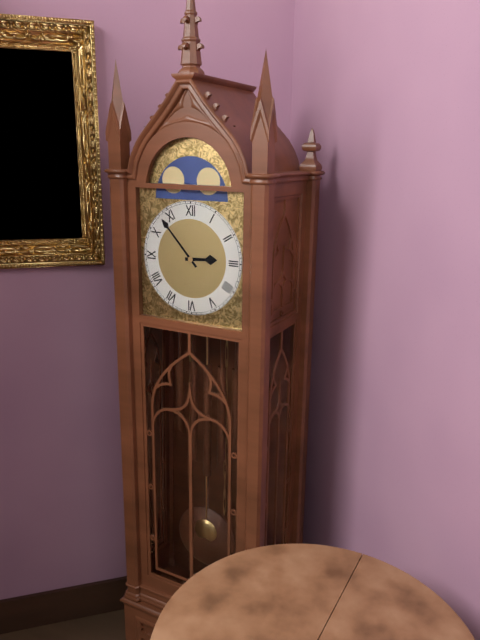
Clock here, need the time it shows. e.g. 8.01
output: 2.53
